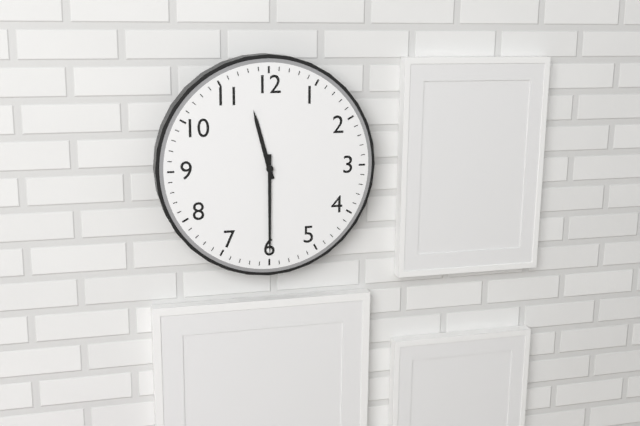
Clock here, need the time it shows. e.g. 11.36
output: 11.30
